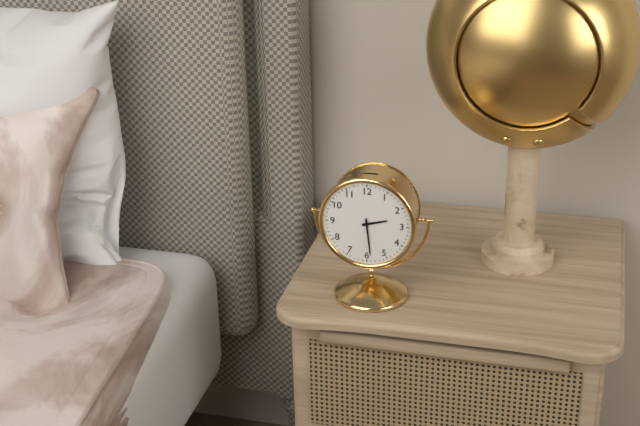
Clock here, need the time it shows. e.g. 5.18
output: 2.29
